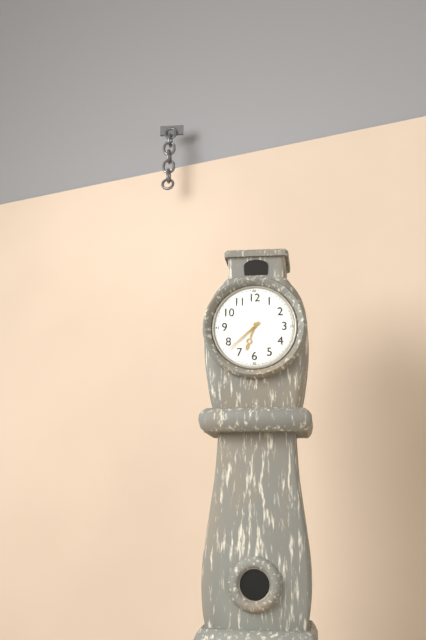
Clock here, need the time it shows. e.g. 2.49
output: 6.38
